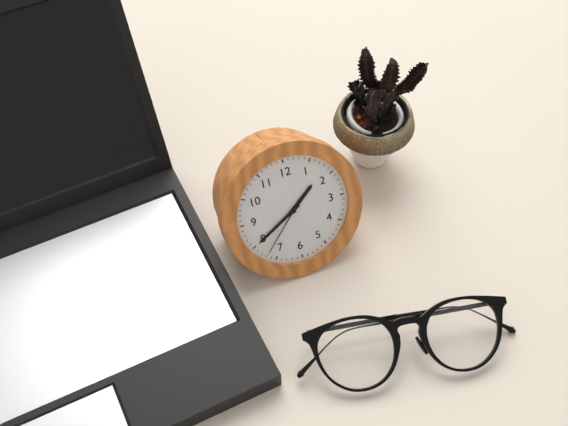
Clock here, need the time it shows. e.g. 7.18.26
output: 1.40.37
